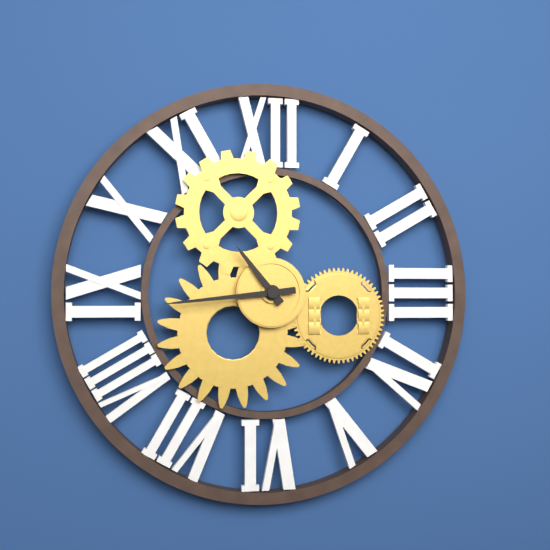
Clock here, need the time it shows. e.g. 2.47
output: 10.44
